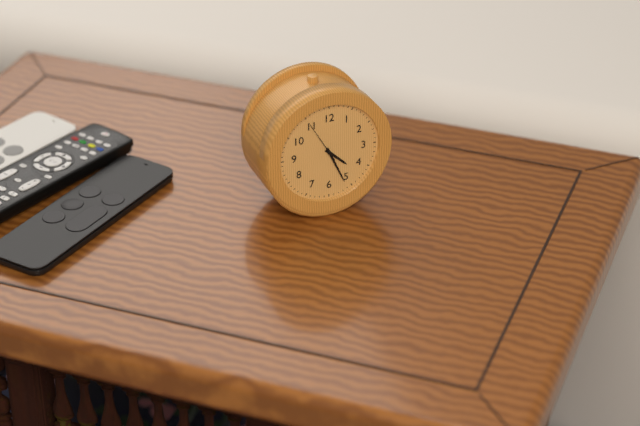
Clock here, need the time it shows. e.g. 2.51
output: 4.26
